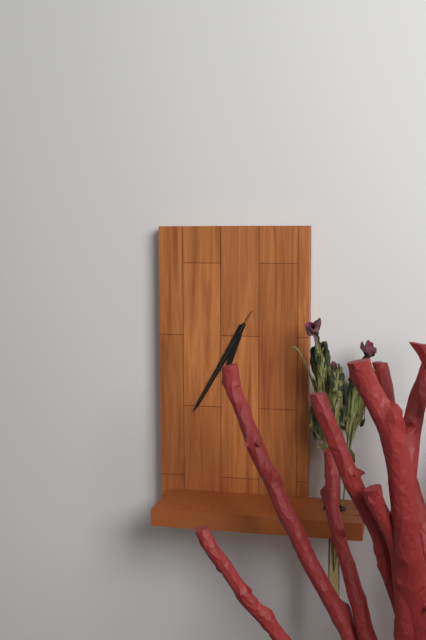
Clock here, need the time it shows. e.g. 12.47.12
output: 6.35.35
